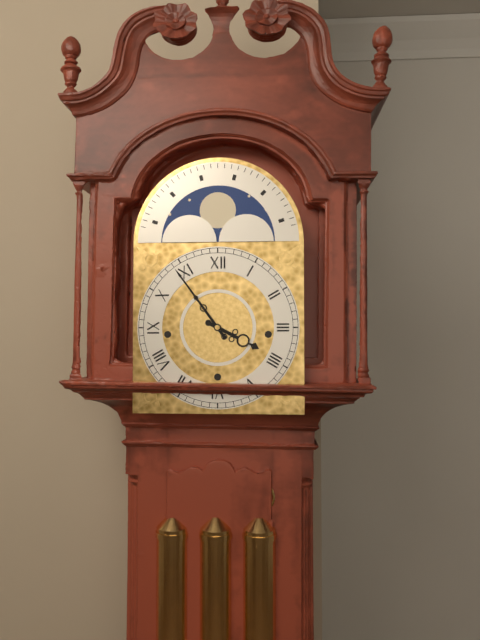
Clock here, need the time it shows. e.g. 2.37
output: 3.54
